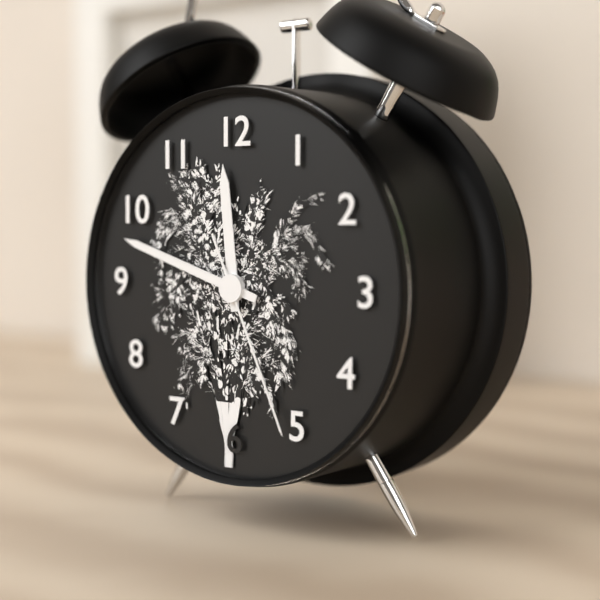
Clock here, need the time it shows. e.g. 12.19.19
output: 11.48.26
